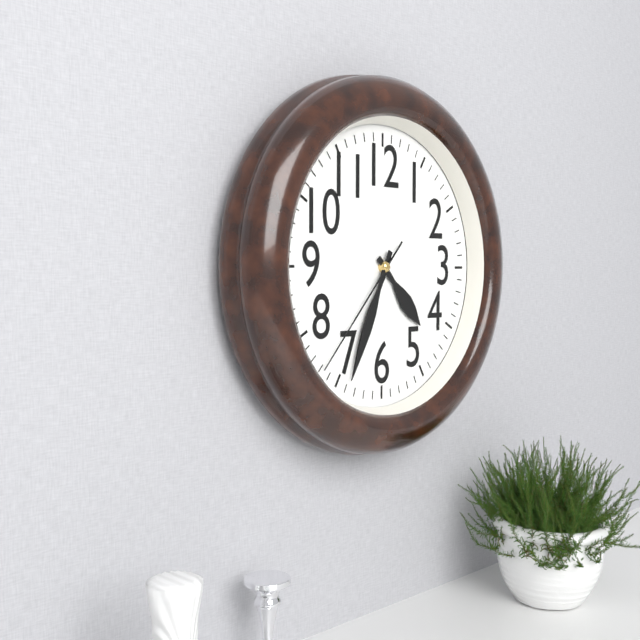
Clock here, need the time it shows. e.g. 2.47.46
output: 4.34.37
